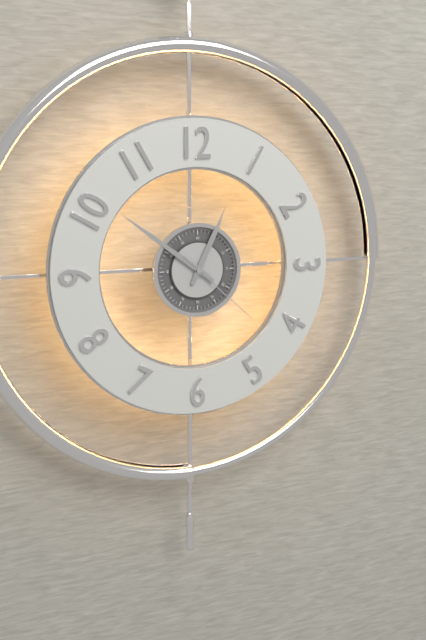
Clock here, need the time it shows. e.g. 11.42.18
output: 12.51.22
